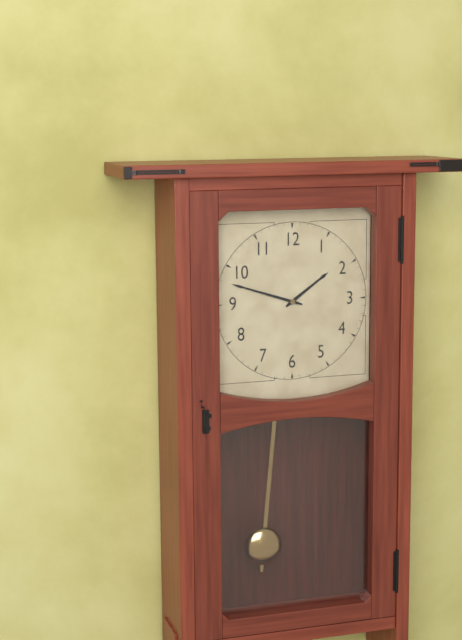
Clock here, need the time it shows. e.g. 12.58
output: 1.48
